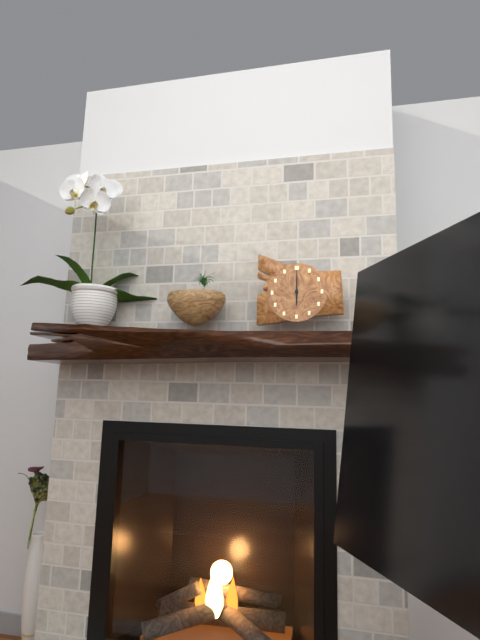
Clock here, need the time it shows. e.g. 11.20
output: 6.00
